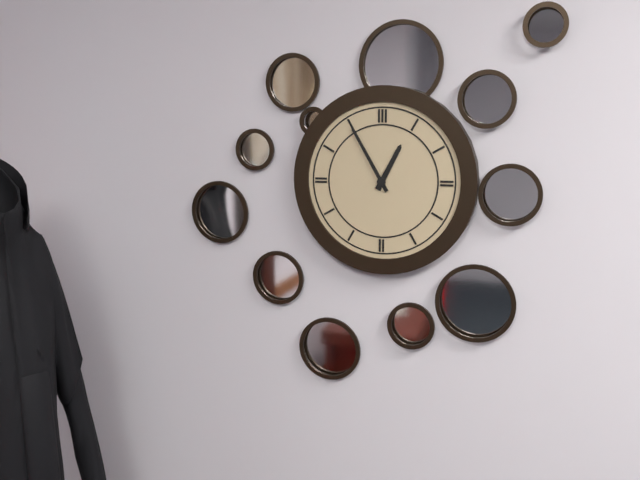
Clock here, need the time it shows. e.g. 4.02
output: 12.55
